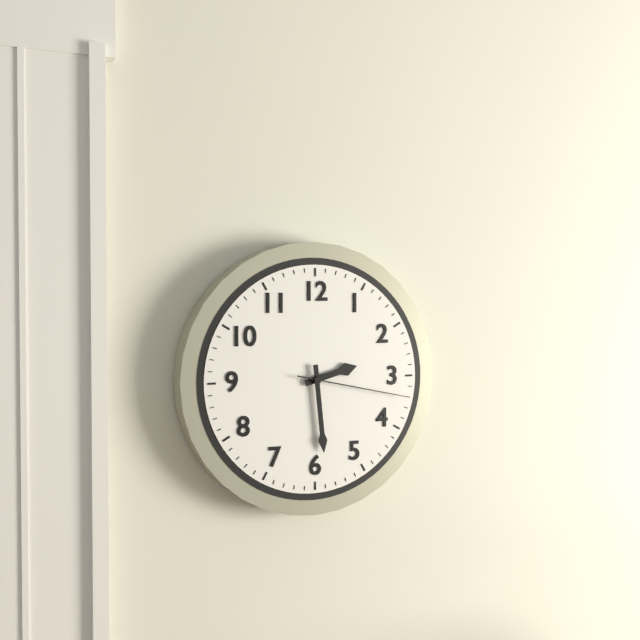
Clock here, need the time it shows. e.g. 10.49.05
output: 2.29.17
